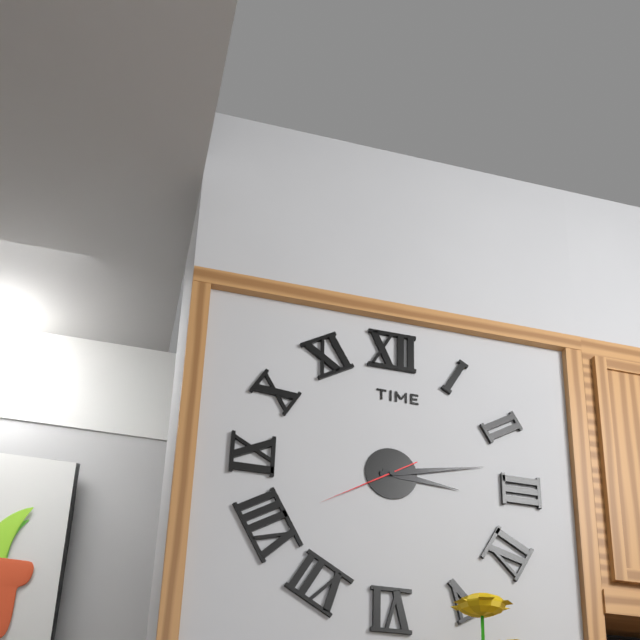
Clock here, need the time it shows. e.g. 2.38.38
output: 3.13.40
